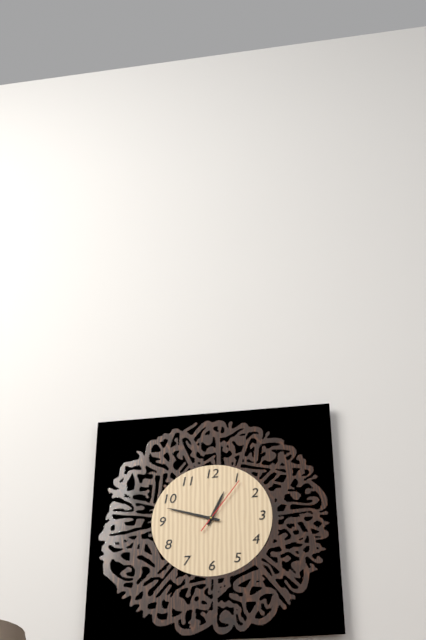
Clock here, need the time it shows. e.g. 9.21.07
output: 12.48.06
